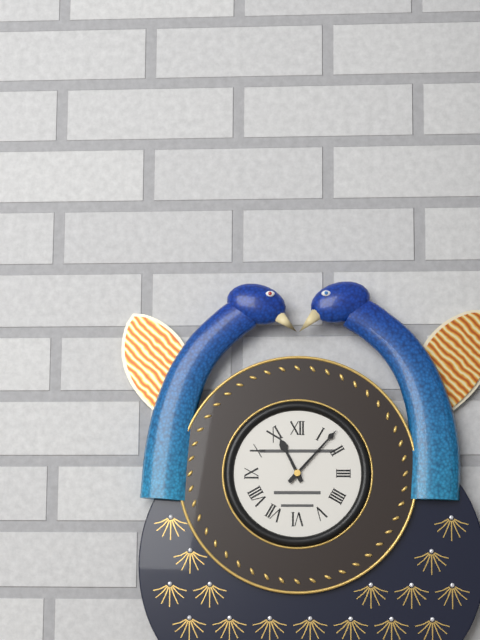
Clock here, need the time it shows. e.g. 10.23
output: 11.07
